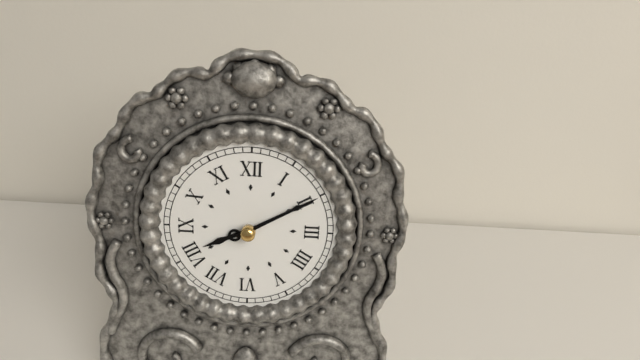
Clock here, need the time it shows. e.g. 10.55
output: 8.10
